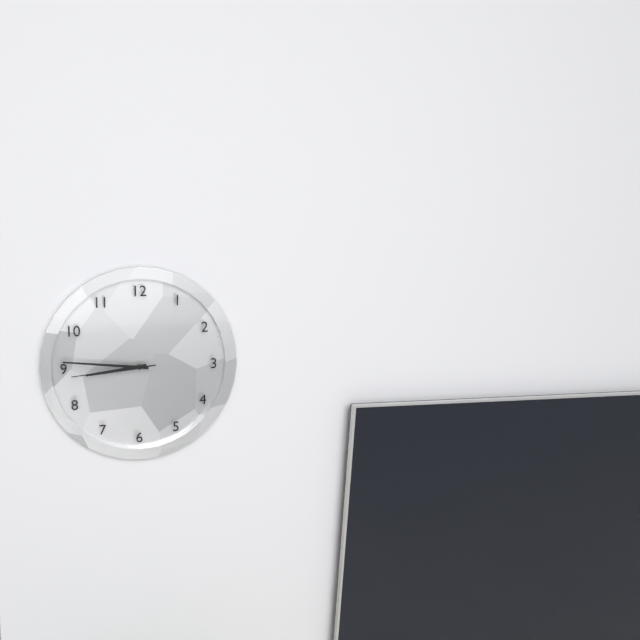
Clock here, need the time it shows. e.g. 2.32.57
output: 8.46.44
